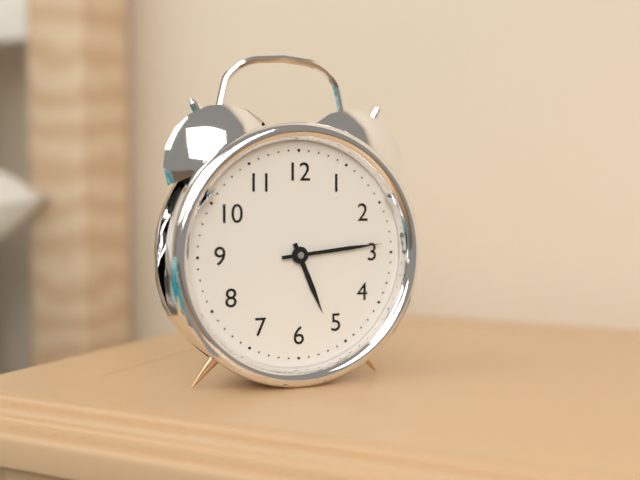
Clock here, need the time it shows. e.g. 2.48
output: 5.14
